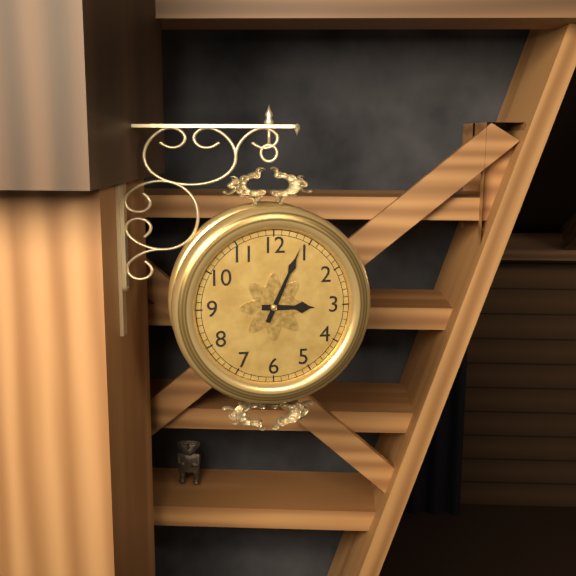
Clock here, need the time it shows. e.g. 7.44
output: 3.04
